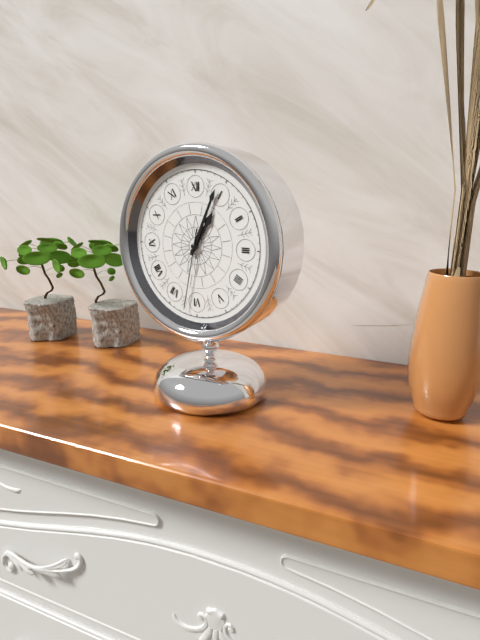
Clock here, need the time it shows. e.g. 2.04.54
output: 1.04.32
